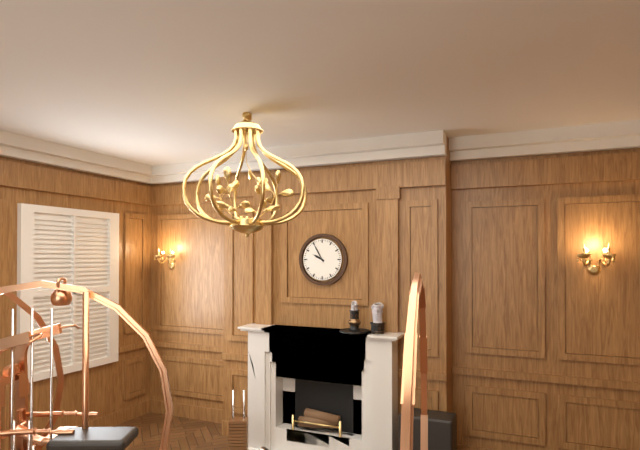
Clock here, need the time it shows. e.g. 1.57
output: 9.55
